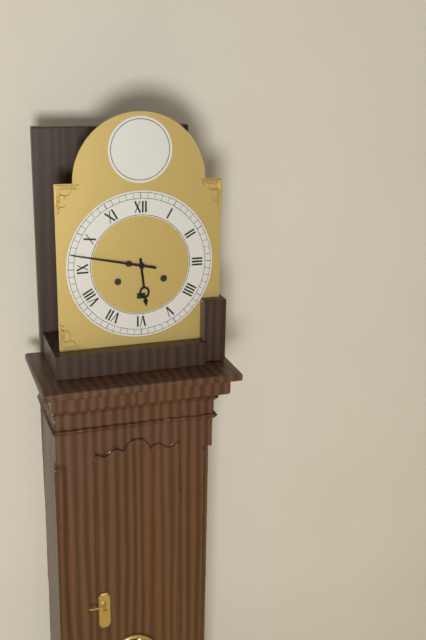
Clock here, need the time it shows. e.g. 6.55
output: 5.47
